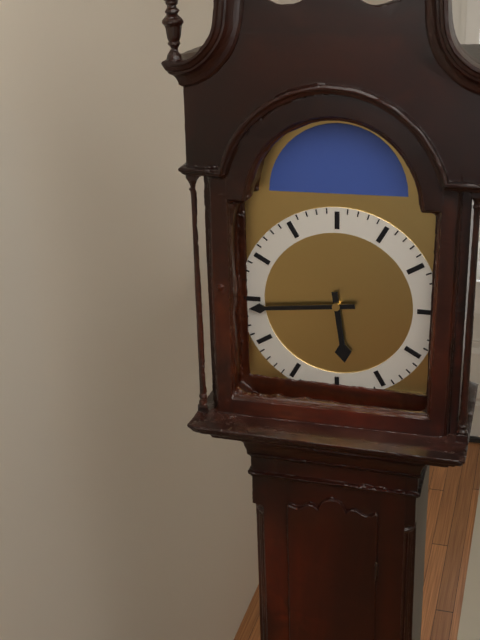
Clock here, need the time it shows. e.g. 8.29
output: 5.44
